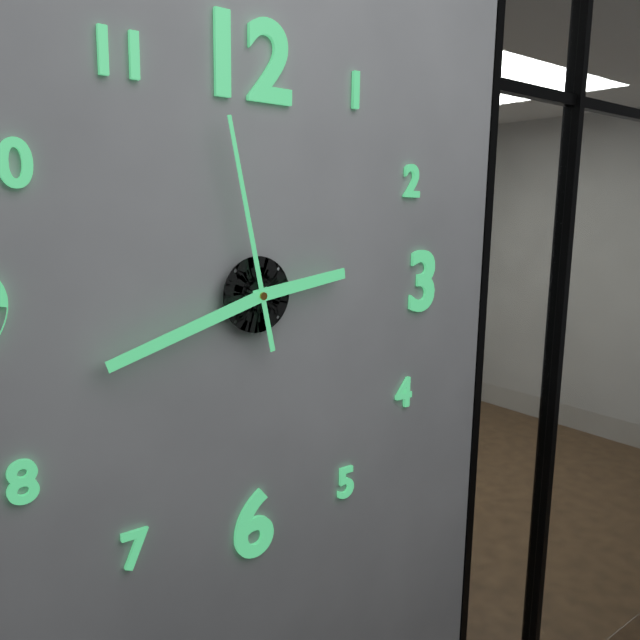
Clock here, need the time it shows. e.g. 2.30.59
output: 2.42.58
